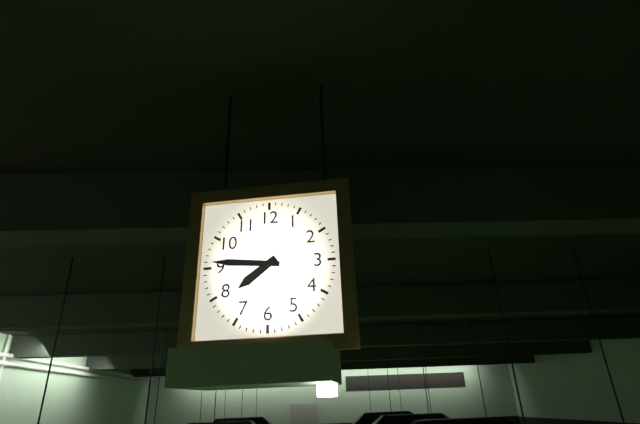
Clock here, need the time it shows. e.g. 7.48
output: 7.46
